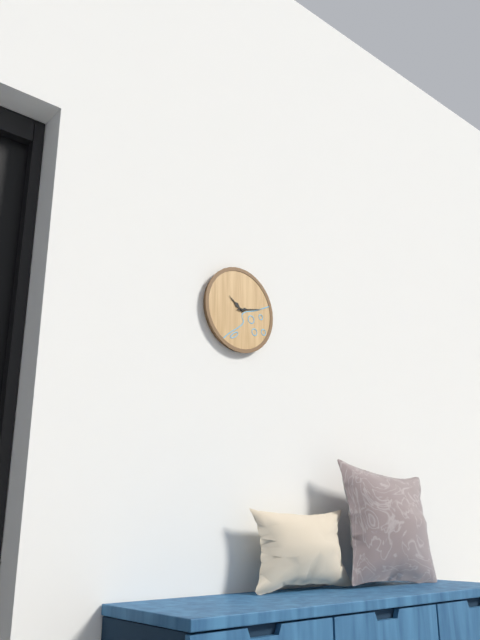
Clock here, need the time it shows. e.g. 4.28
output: 10.13
